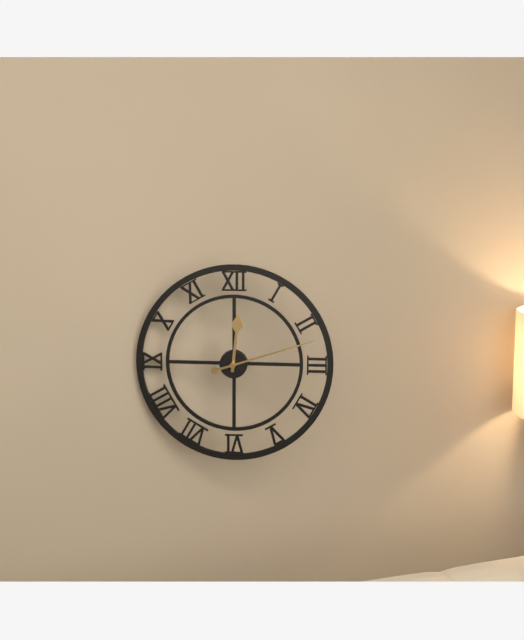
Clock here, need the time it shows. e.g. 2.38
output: 12.12
